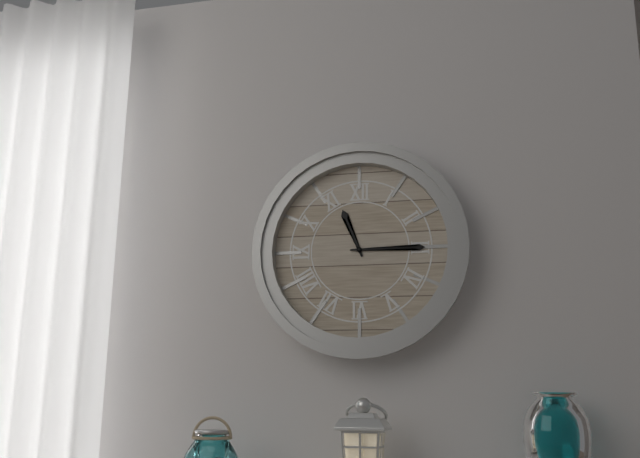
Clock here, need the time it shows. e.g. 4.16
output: 11.15
